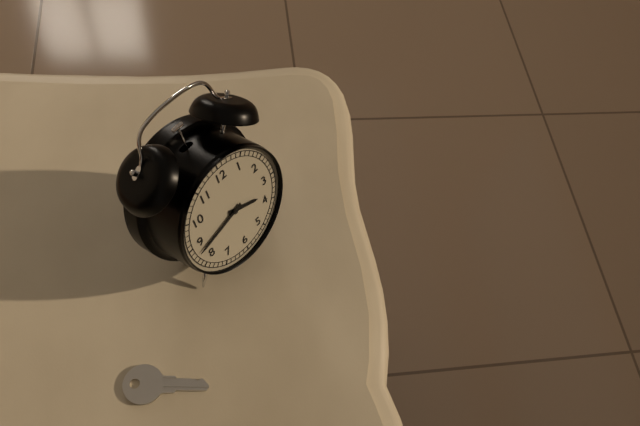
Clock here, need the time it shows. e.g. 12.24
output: 3.43
